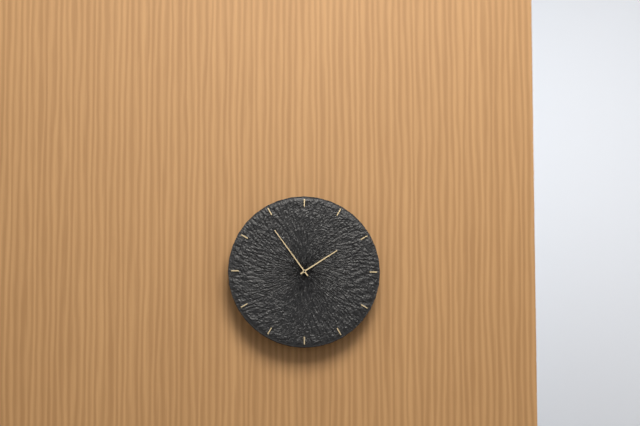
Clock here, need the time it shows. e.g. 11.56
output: 1.54
